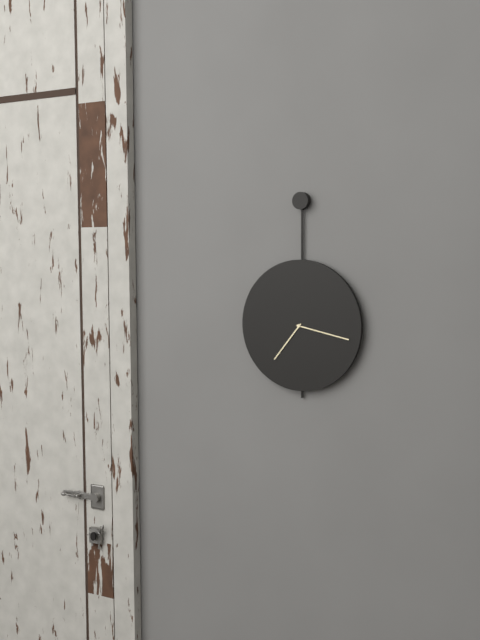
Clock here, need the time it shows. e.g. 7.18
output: 7.17
